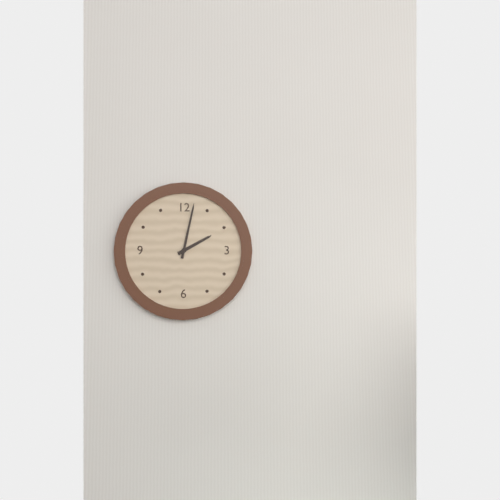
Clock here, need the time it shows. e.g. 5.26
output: 2.02
